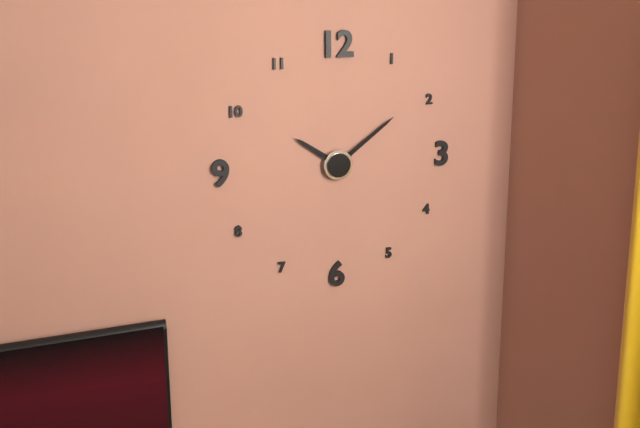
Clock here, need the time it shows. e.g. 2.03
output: 10.09
